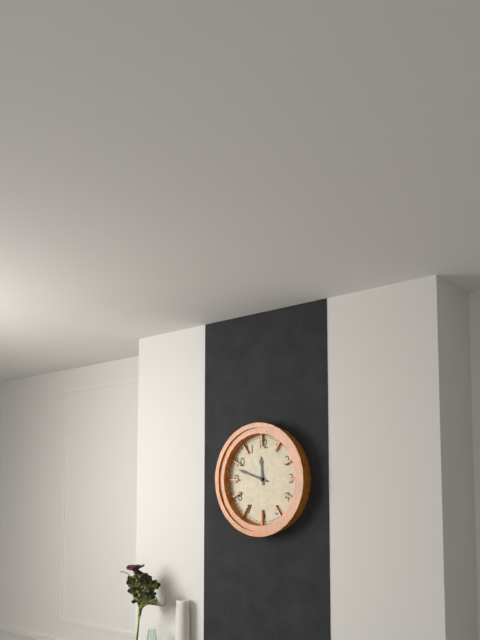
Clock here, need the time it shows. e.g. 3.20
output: 11.48
